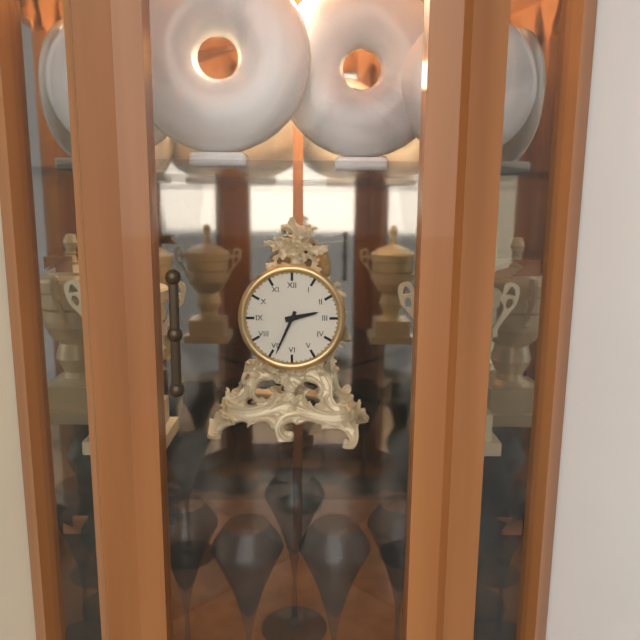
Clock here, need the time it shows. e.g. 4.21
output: 2.34
